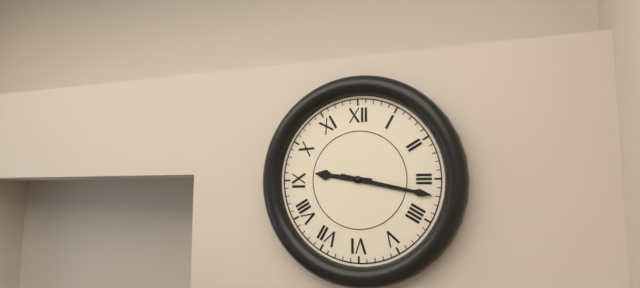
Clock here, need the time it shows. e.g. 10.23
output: 9.17
